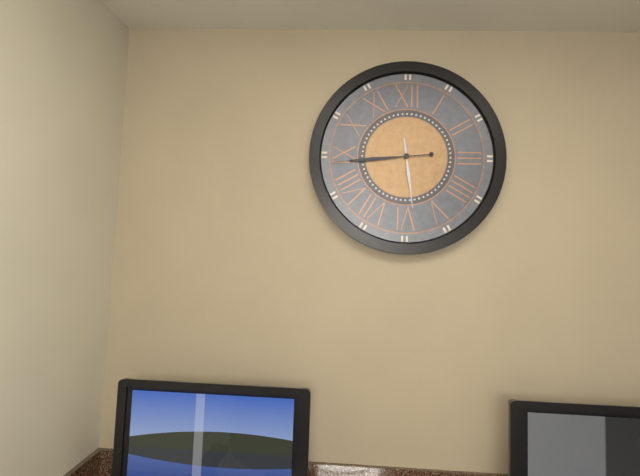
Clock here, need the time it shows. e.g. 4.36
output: 5.44
